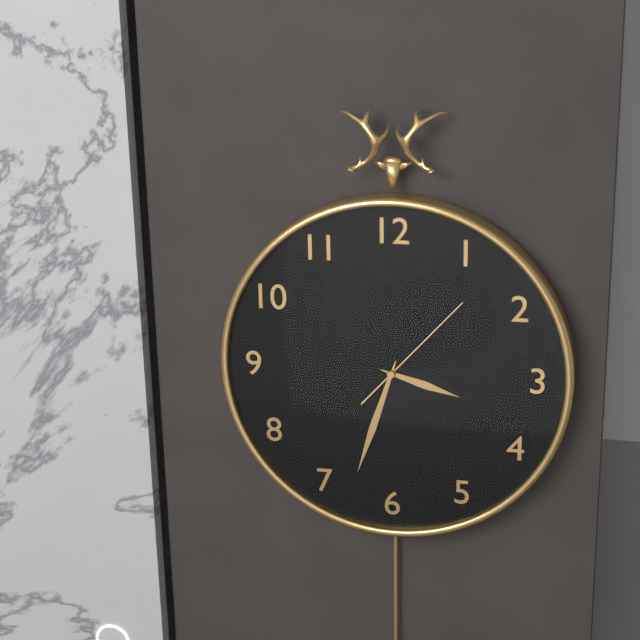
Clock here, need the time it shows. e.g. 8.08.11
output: 3.33.07
